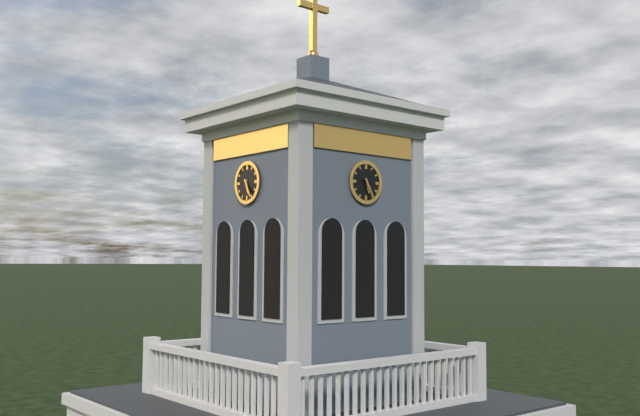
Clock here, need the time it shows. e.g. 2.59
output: 5.25
